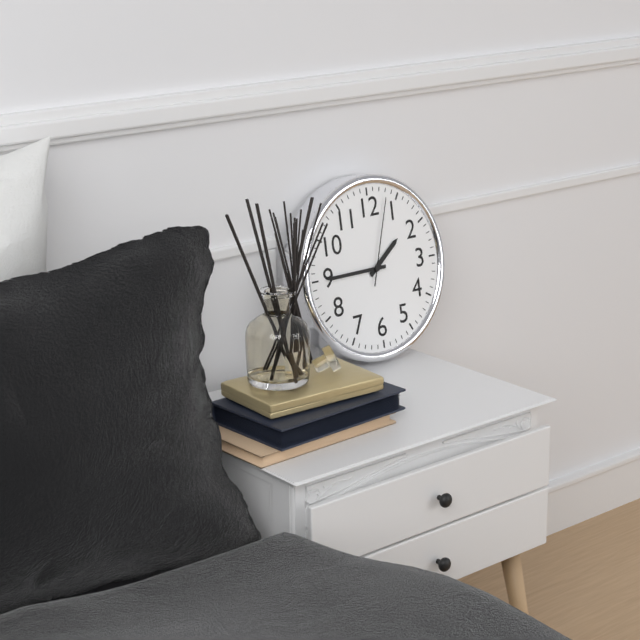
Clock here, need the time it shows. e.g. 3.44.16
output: 1.45.03
